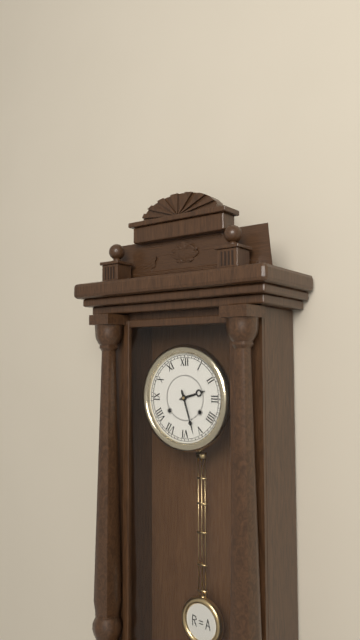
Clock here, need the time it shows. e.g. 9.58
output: 2.27
